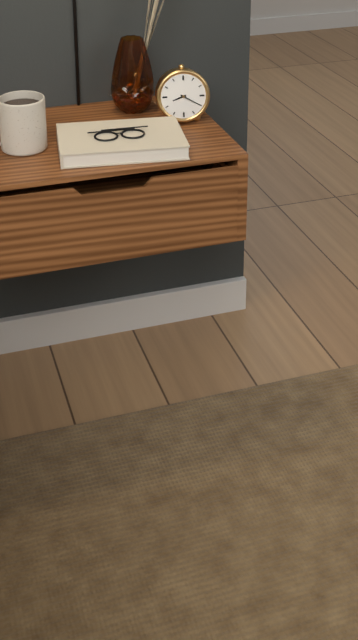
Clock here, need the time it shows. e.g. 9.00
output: 8.20
